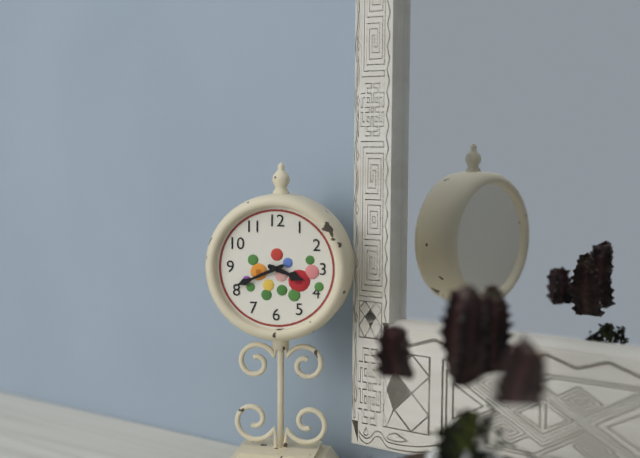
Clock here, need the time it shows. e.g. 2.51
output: 3.41
